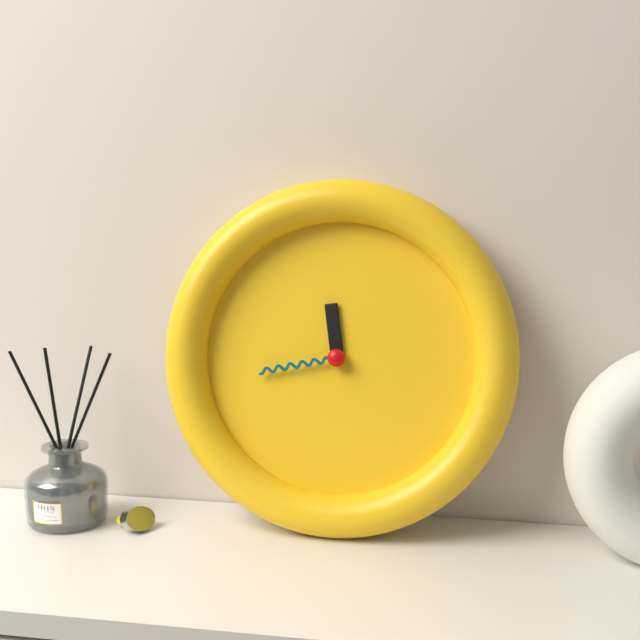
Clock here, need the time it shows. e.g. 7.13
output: 11.43
